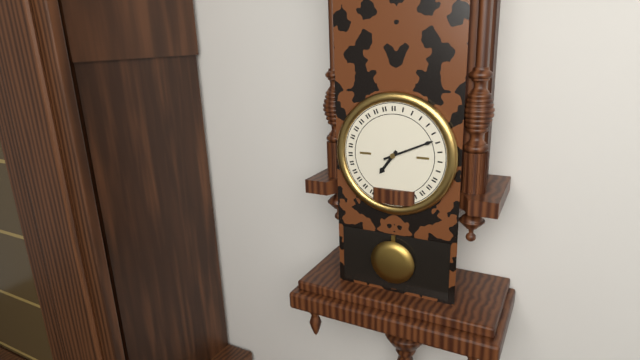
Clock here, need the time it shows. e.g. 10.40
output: 7.11
